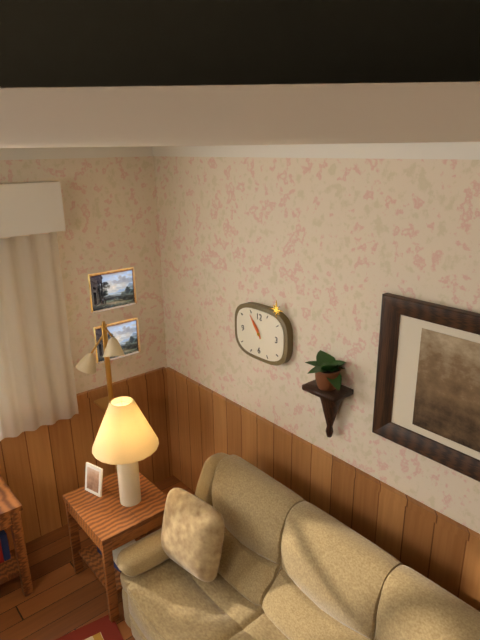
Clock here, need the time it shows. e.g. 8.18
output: 10.54
